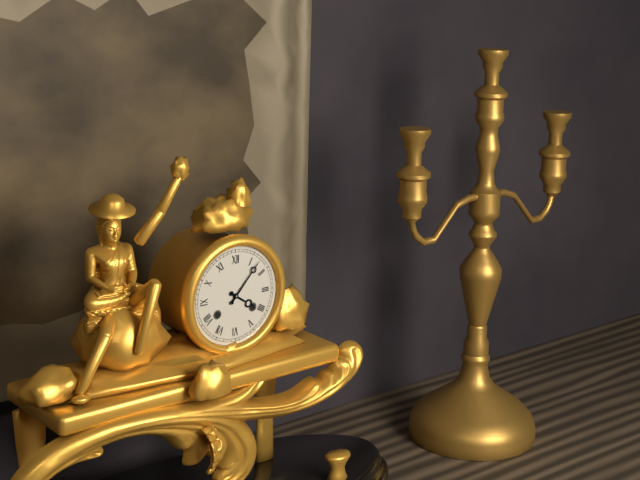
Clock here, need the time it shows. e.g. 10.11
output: 4.07
